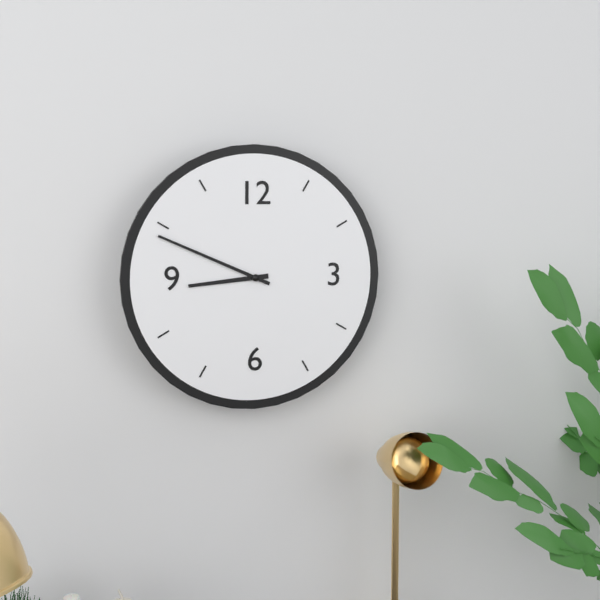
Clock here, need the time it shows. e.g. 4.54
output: 8.49
